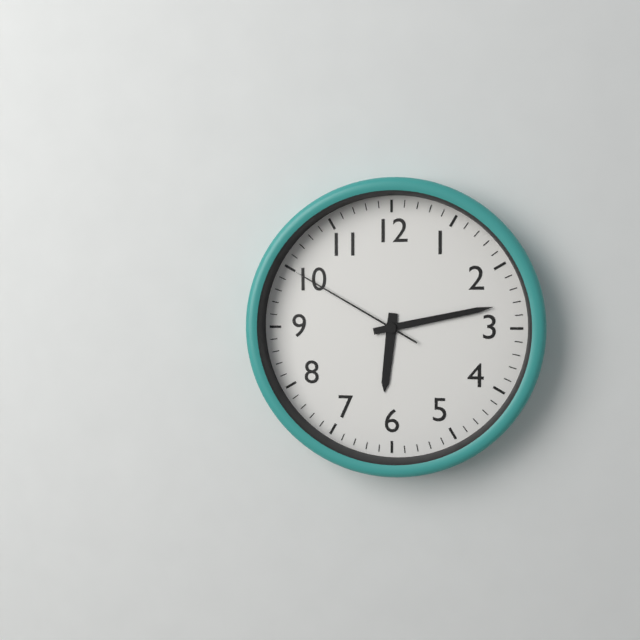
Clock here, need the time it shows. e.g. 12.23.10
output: 6.13.50
